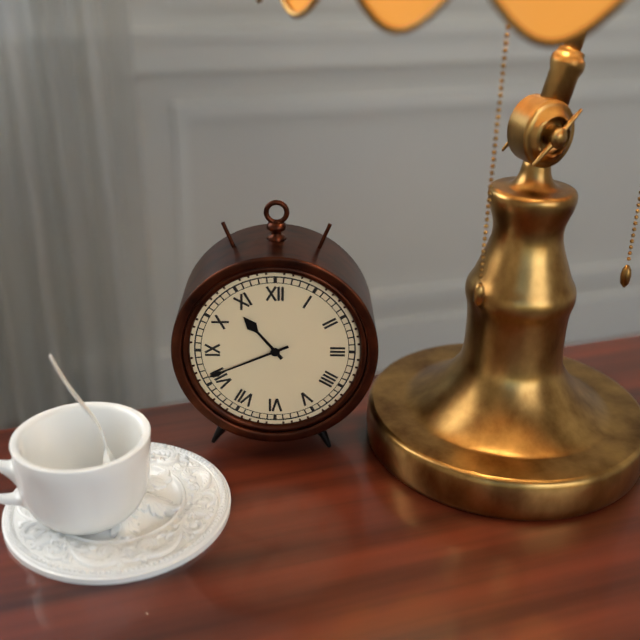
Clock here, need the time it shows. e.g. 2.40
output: 10.41
